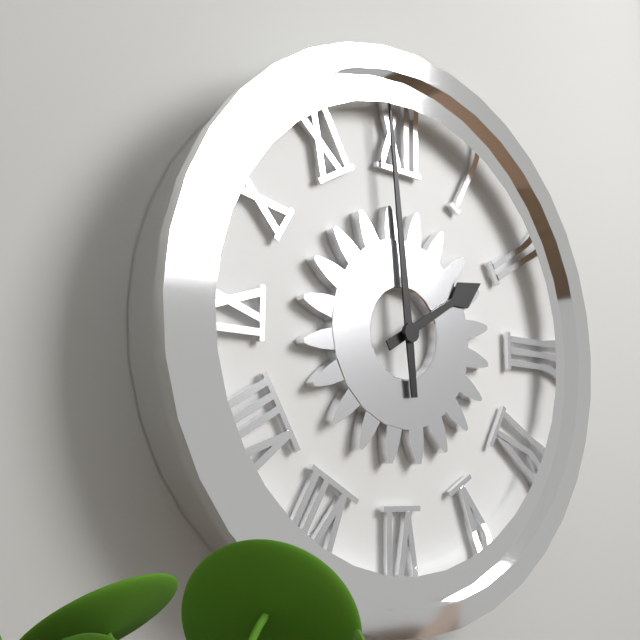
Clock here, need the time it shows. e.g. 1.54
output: 1.59
